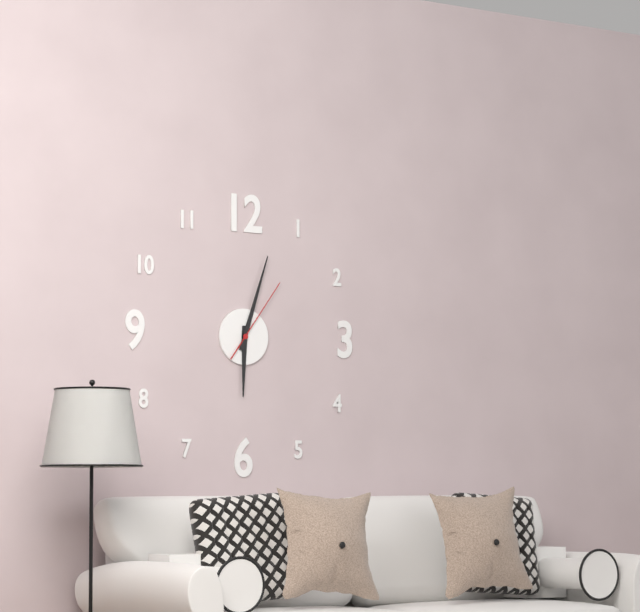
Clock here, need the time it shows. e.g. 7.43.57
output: 6.03.06
